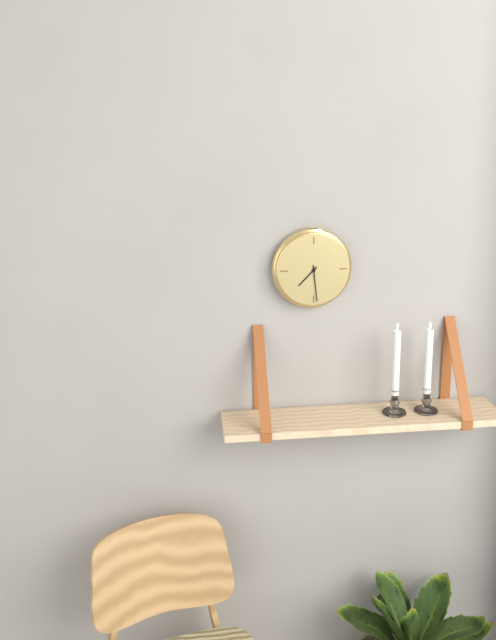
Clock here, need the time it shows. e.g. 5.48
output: 7.29
